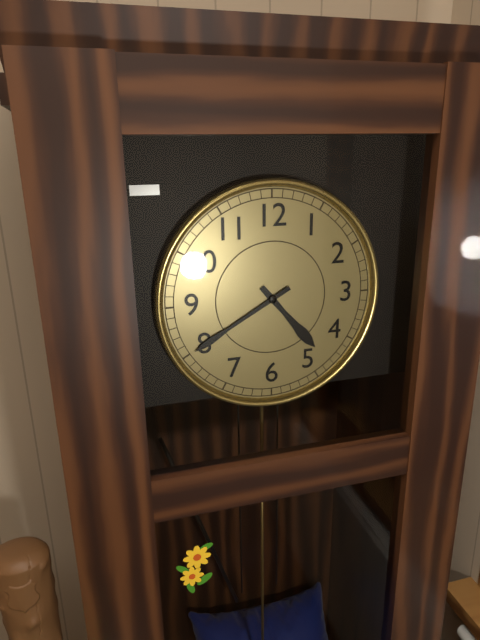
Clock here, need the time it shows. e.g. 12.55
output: 4.40
